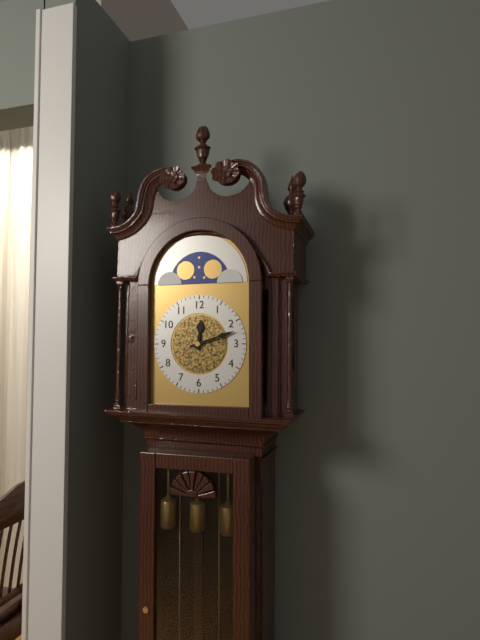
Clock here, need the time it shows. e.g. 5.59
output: 12.12
